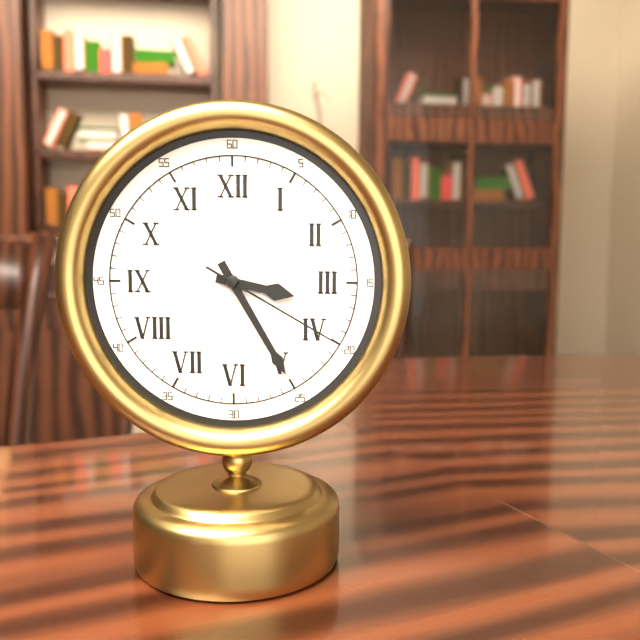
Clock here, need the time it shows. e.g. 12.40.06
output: 3.25.20
